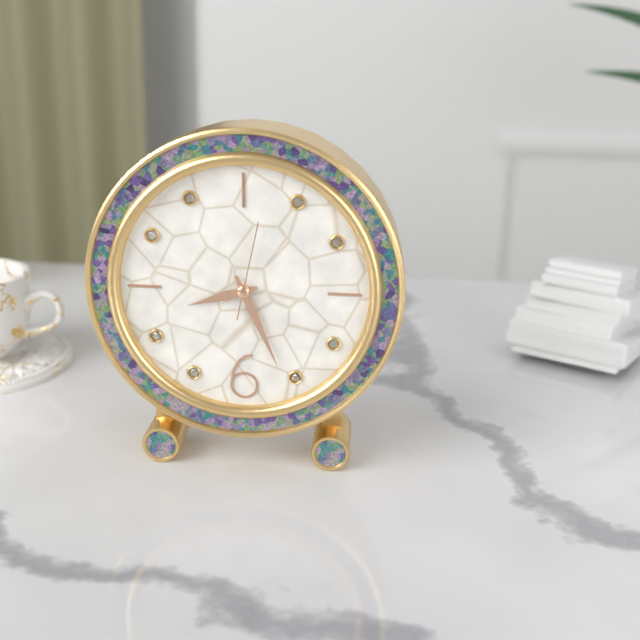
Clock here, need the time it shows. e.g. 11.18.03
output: 8.26.02
